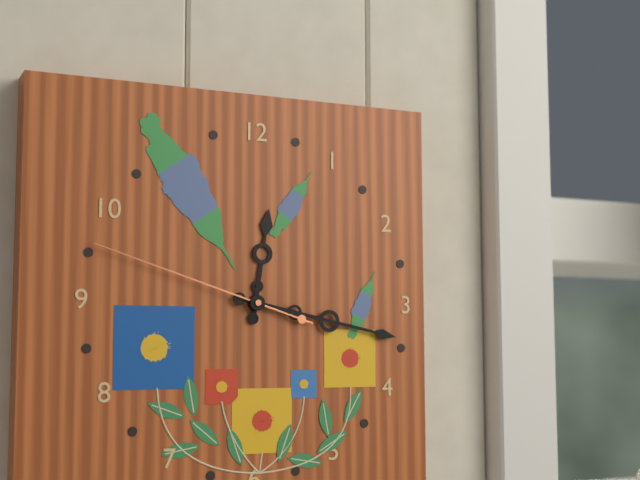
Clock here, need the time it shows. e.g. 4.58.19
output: 12.17.48
